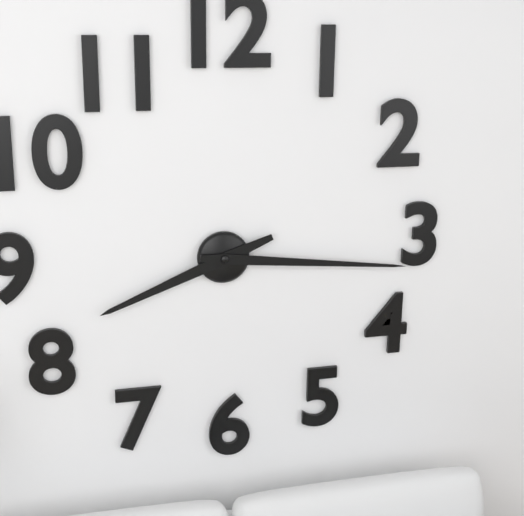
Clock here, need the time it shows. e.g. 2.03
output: 8.16
